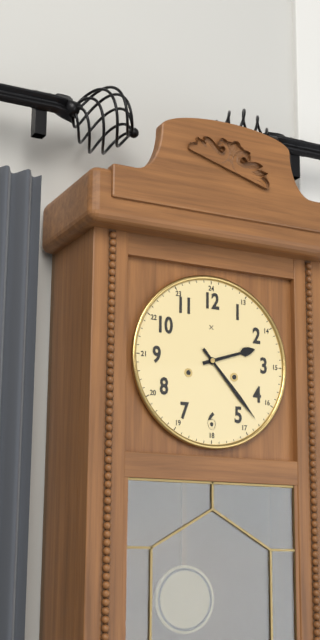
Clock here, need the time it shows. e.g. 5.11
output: 2.23
